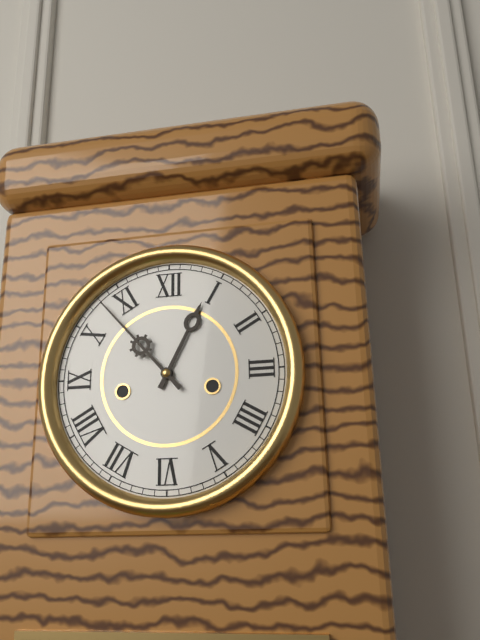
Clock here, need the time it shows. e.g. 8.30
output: 12.53
